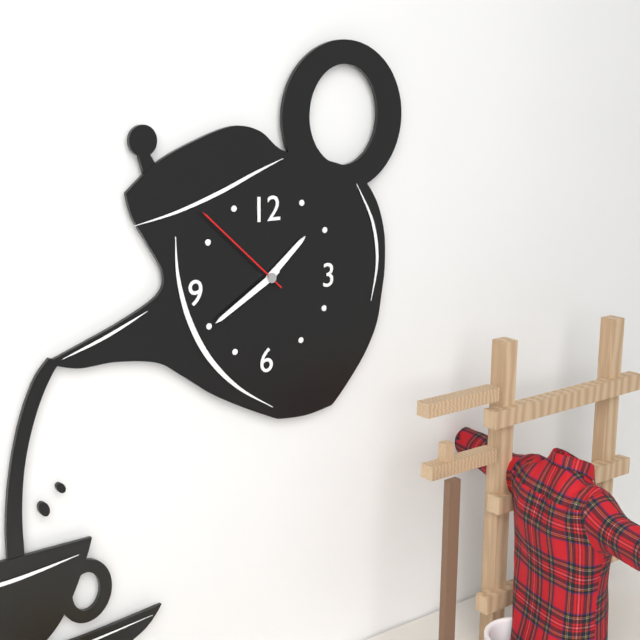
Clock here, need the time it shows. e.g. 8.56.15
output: 1.40.52
